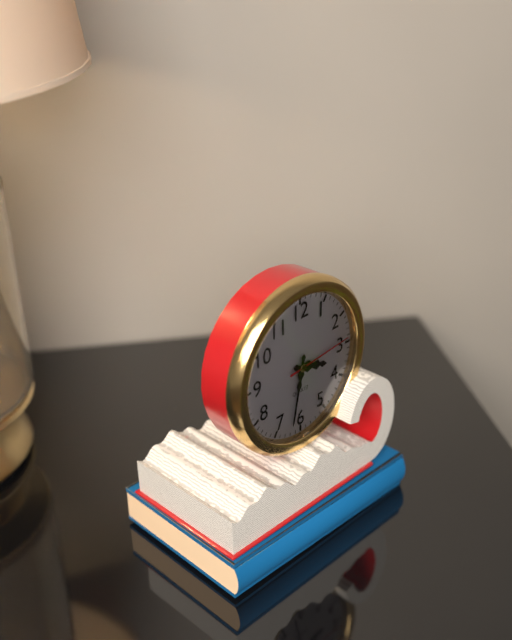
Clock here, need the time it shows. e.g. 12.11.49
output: 3.32.14
